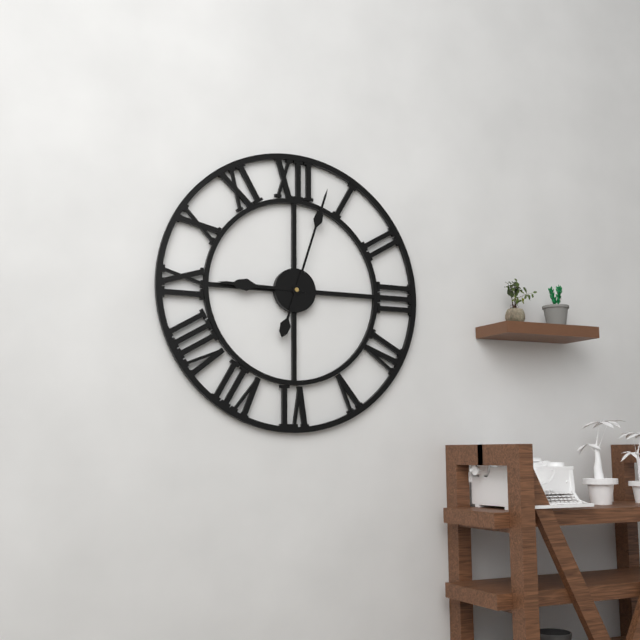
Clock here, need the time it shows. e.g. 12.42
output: 9.03
